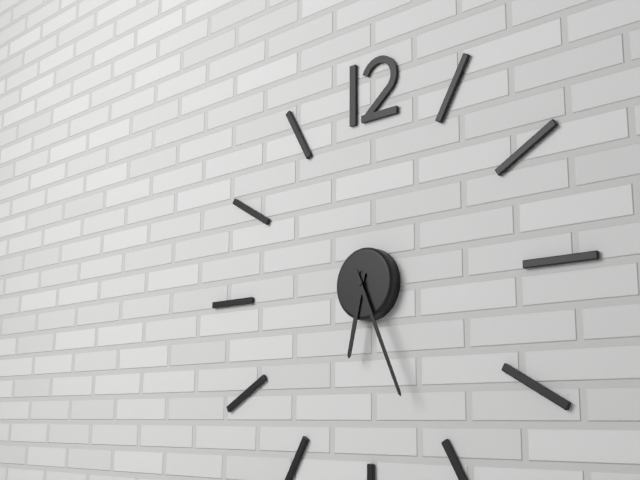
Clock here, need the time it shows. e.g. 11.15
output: 6.26
